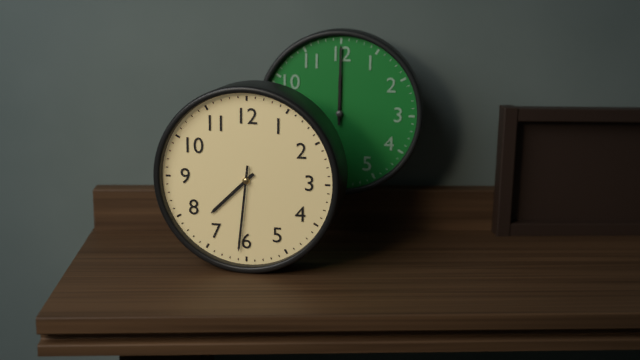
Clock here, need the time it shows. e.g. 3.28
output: 7.31
